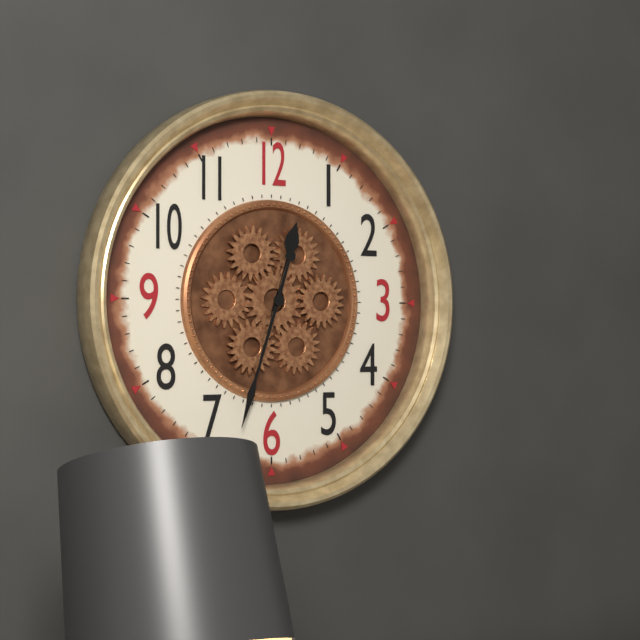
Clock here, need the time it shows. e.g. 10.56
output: 12.33
